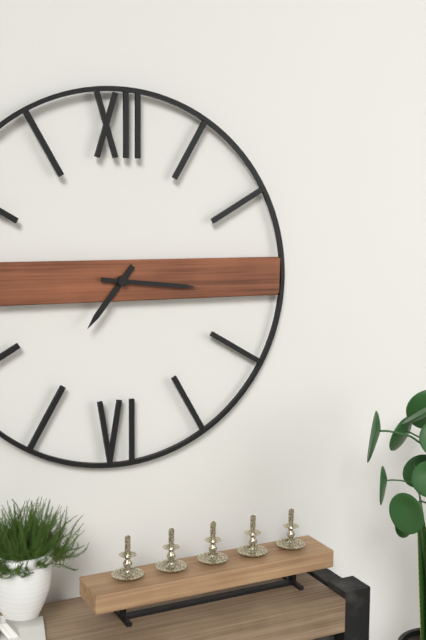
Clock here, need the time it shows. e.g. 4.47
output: 7.16
